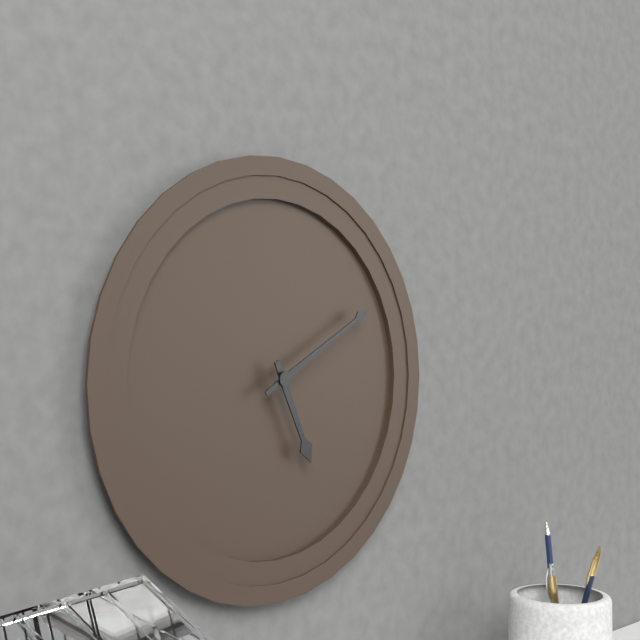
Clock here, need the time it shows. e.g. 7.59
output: 5.10
